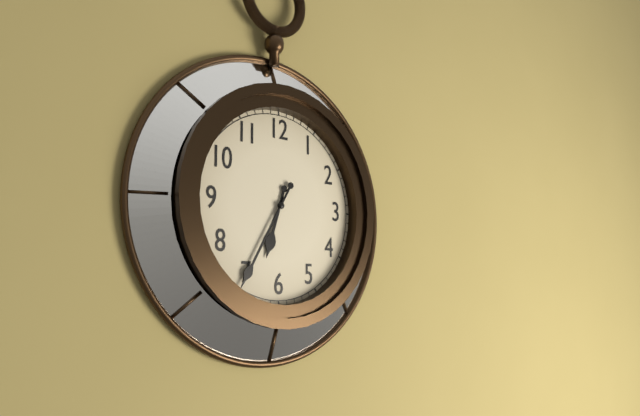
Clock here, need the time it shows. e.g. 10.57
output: 6.35
